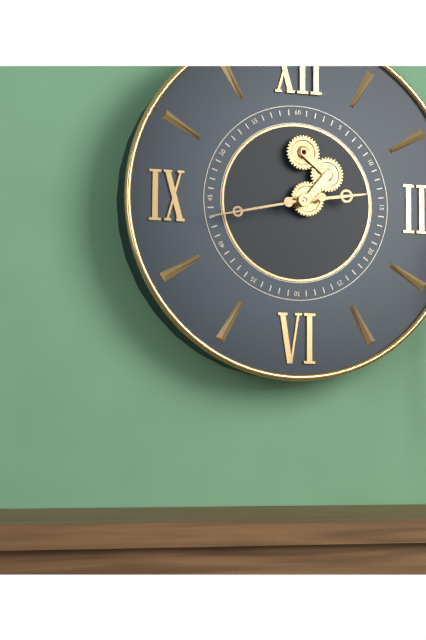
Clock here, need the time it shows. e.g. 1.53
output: 2.43
